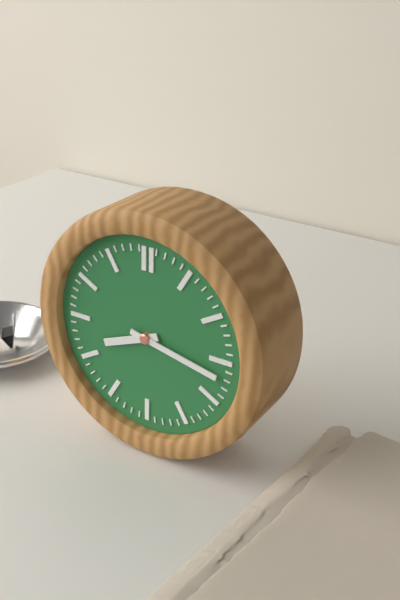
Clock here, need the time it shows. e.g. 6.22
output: 8.17
